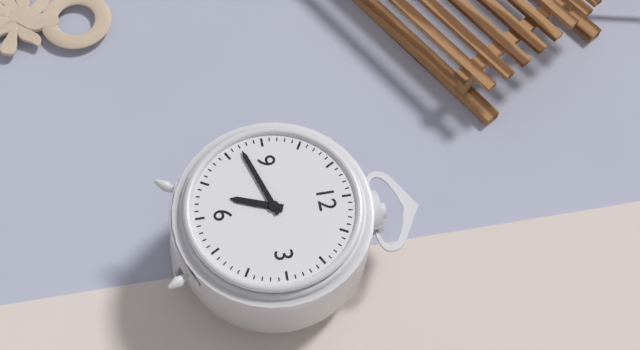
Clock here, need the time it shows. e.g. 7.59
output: 6.42
